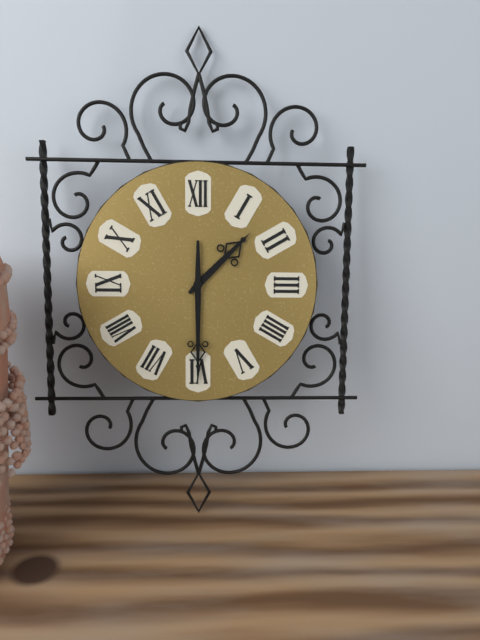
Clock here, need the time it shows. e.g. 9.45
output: 1.30
